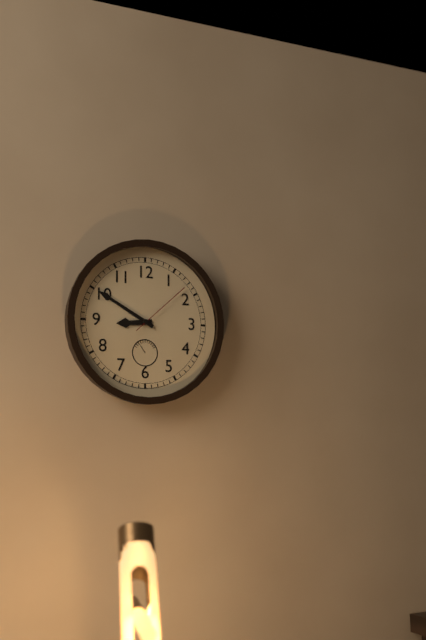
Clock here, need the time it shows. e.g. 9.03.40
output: 8.50.08
